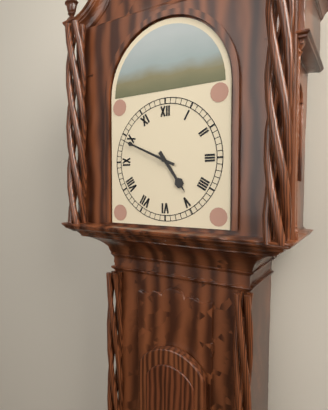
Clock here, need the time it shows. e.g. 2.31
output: 4.49
